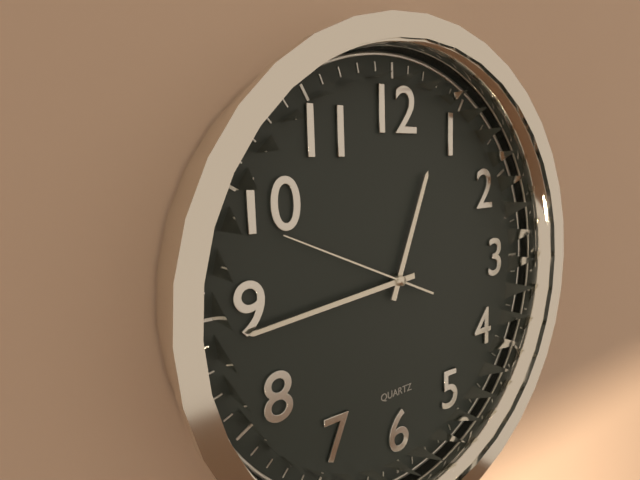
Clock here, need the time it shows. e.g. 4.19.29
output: 12.44.49
